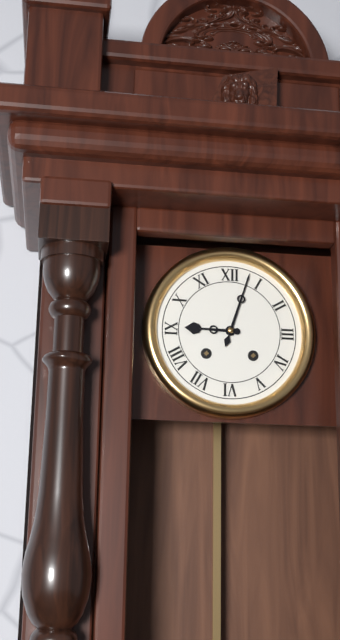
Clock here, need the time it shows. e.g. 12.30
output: 9.03
